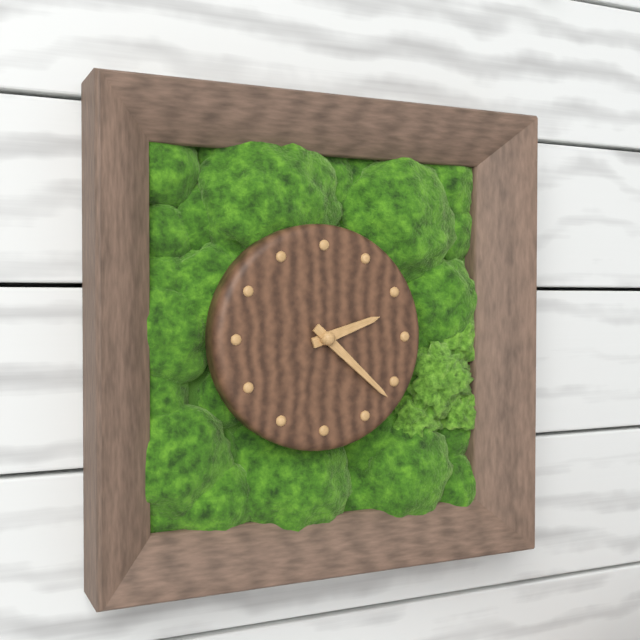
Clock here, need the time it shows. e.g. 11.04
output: 2.22
